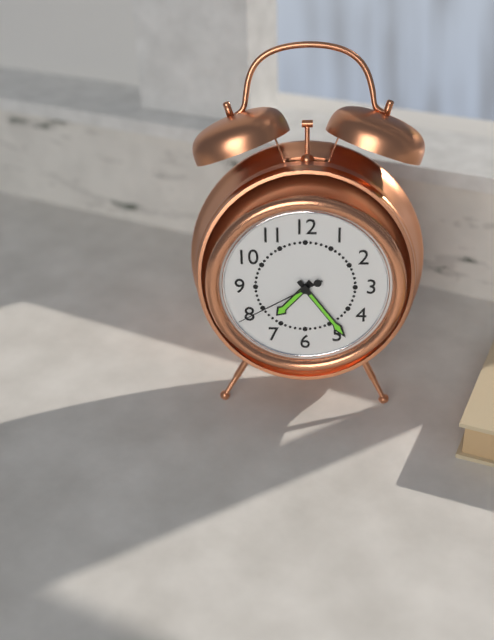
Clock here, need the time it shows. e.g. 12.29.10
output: 7.24.40
